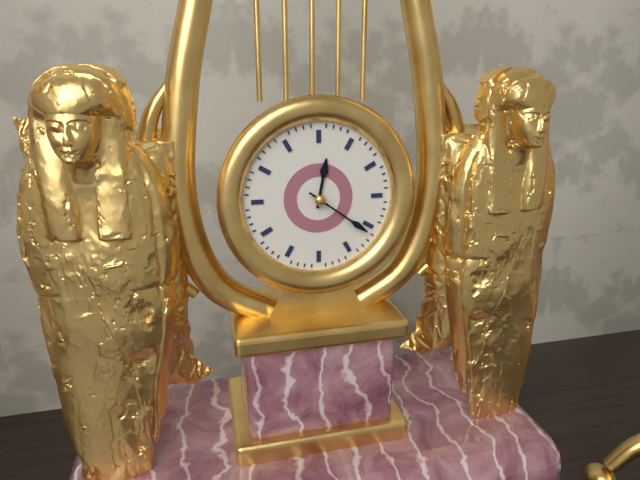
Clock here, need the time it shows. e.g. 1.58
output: 12.21
